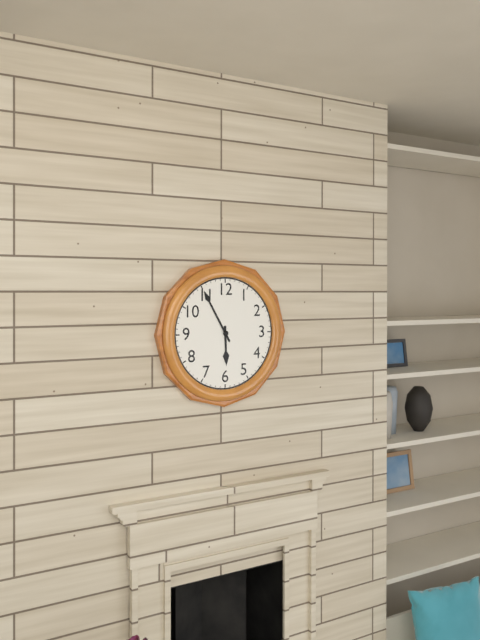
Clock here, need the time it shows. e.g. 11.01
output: 5.55
